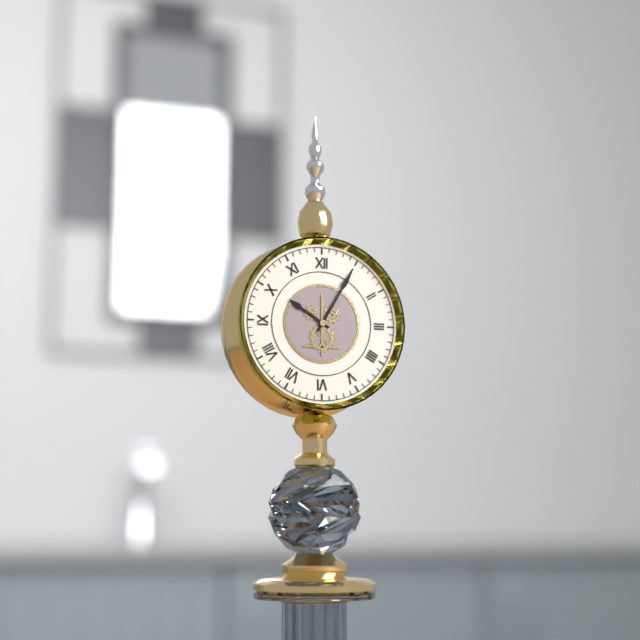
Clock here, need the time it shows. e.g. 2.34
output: 10.05
